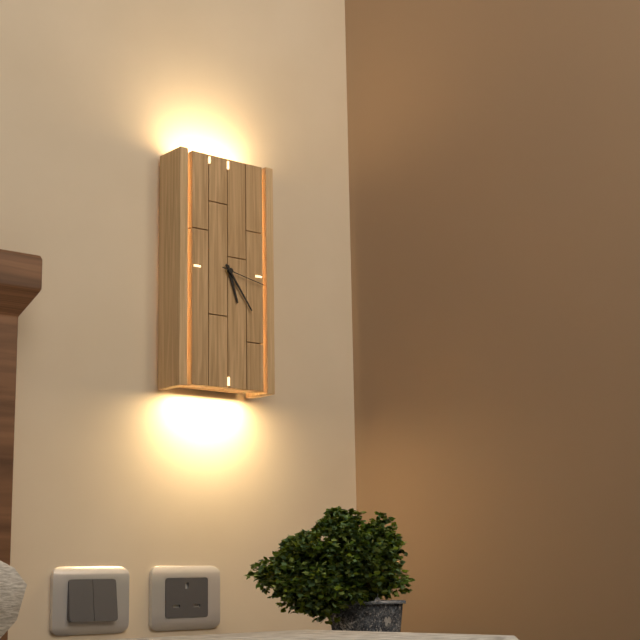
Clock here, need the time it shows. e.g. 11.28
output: 5.24
